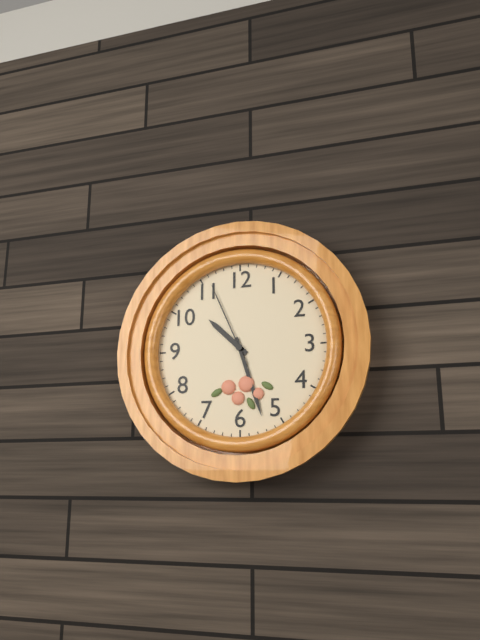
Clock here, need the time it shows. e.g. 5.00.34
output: 10.27.56
